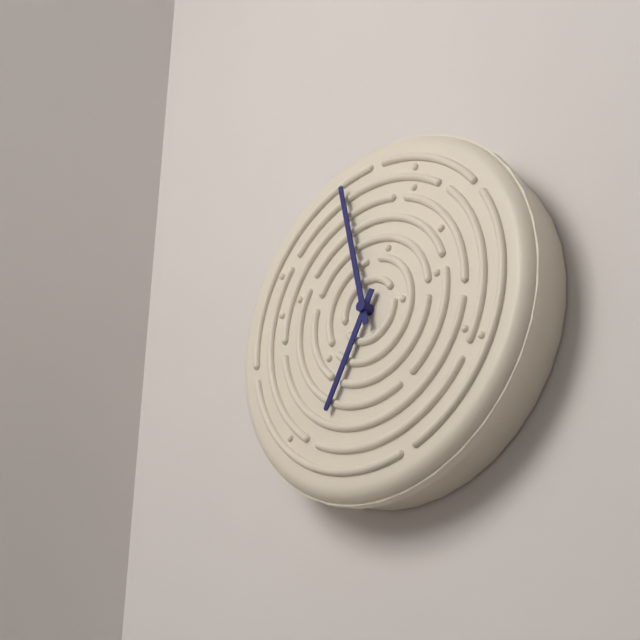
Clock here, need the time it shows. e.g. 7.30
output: 6.58
